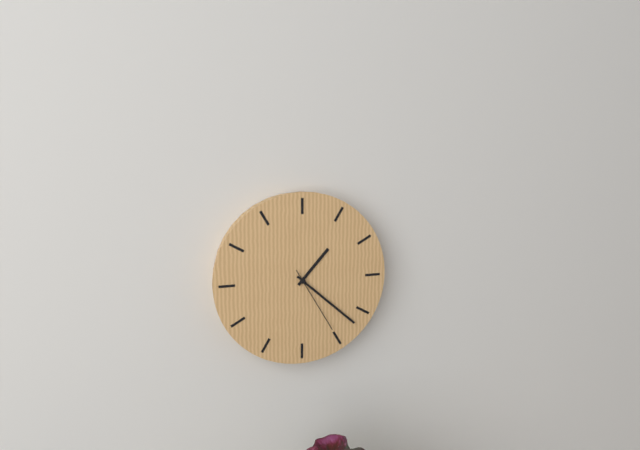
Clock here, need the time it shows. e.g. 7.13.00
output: 1.22.25
